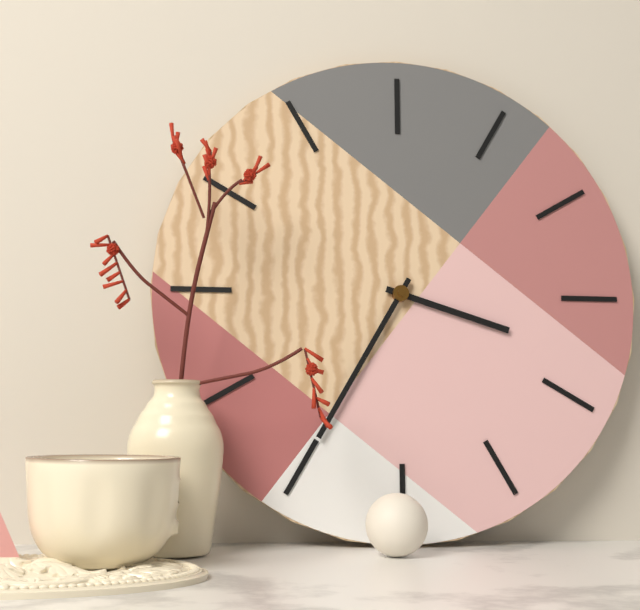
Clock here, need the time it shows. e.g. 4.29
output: 3.35
